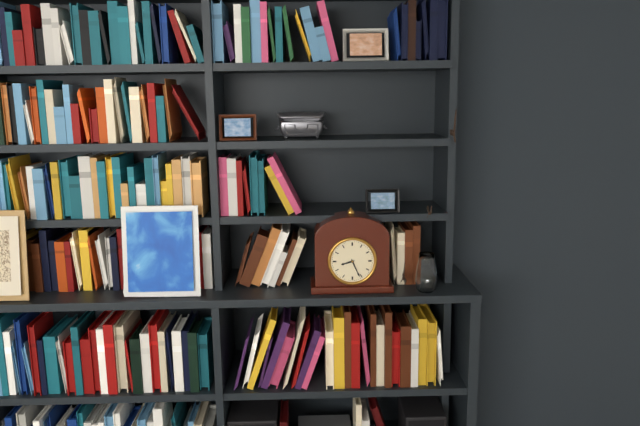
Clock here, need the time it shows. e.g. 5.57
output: 8.26
